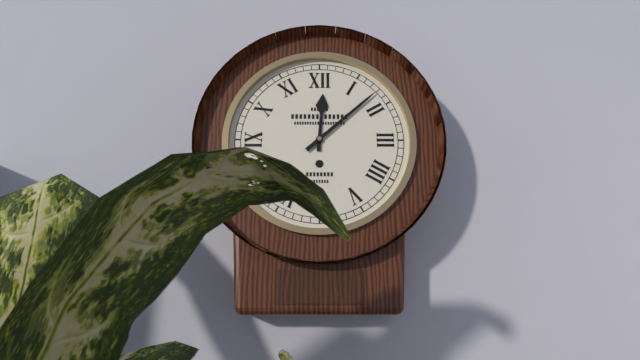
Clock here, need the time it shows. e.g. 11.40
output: 12.08
